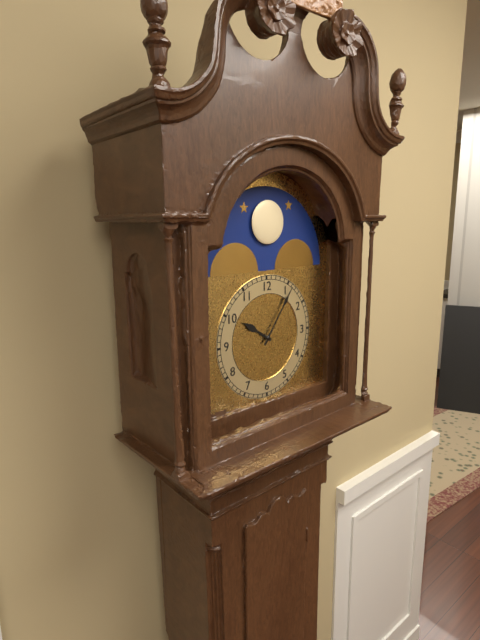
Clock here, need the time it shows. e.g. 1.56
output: 10.06
